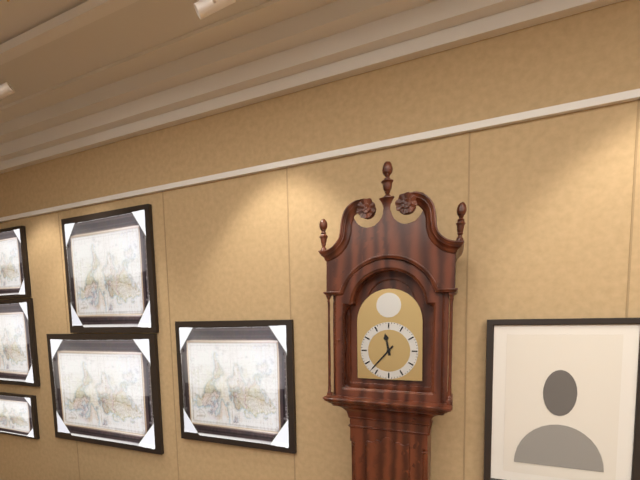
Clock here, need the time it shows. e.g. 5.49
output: 11.37
